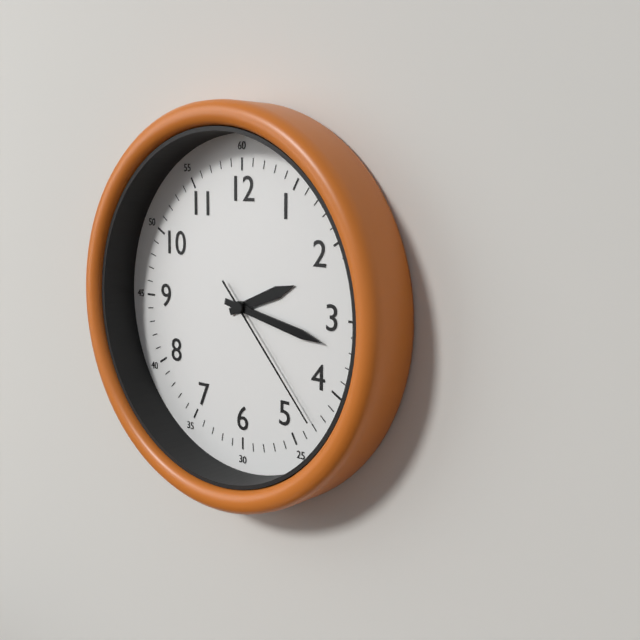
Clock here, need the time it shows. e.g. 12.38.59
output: 2.17.23
